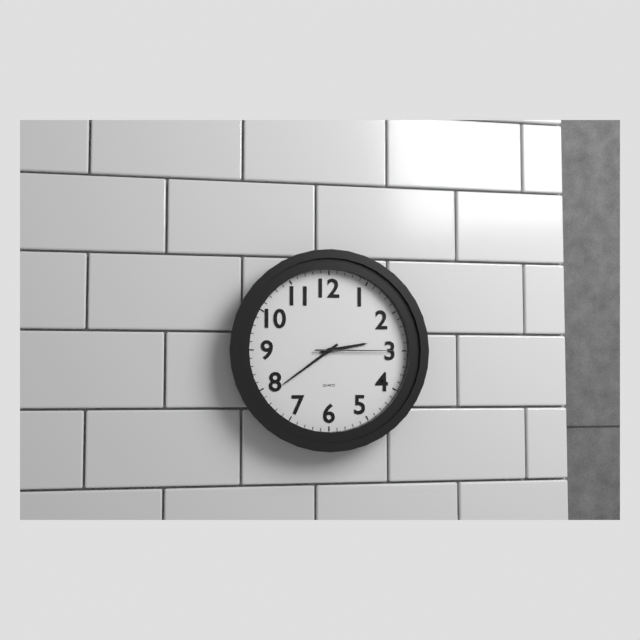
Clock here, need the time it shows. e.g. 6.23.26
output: 2.39.15
